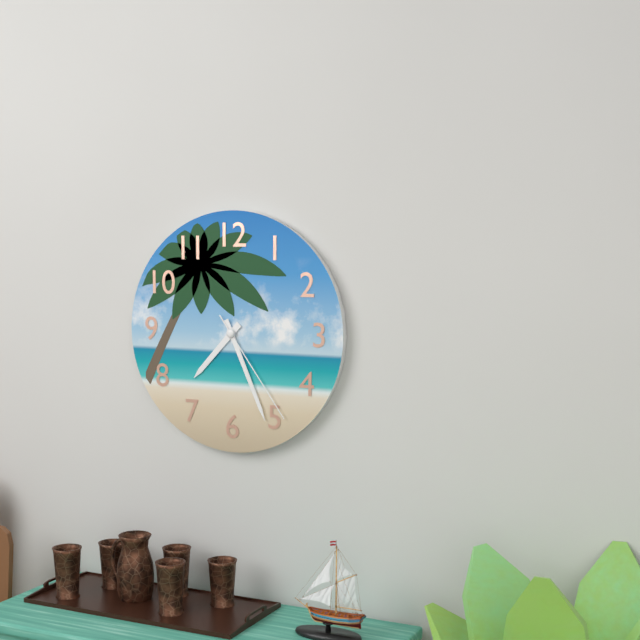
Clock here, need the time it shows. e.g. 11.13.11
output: 7.26.24
